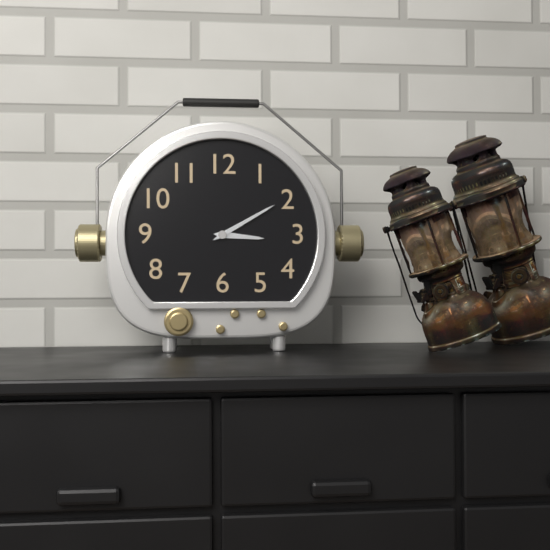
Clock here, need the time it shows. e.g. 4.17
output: 3.10
